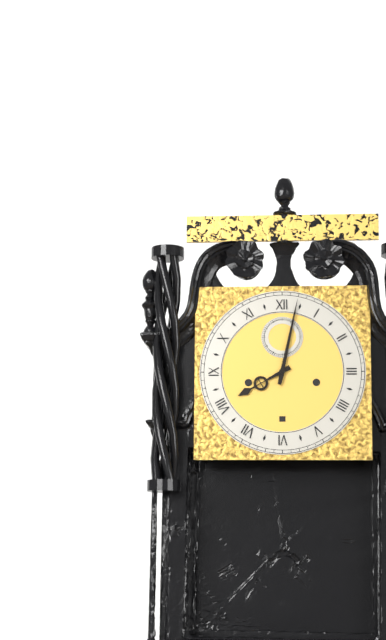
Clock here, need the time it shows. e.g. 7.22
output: 8.02
